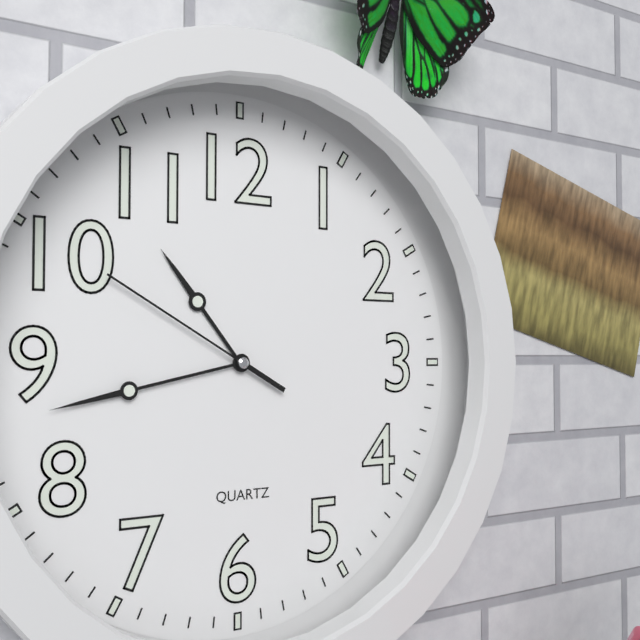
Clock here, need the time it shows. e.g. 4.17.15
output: 10.43.50
